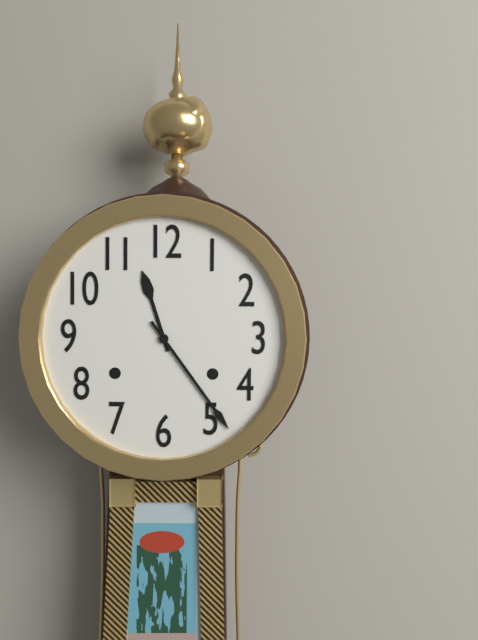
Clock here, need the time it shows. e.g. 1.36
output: 11.24
